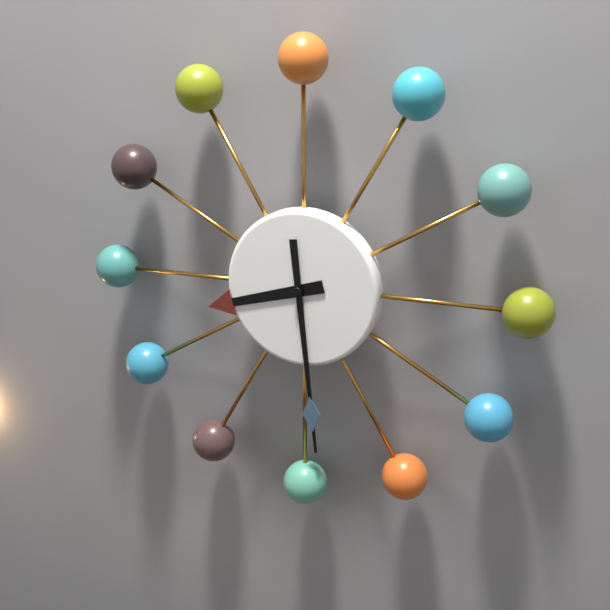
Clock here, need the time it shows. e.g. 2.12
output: 8.29
